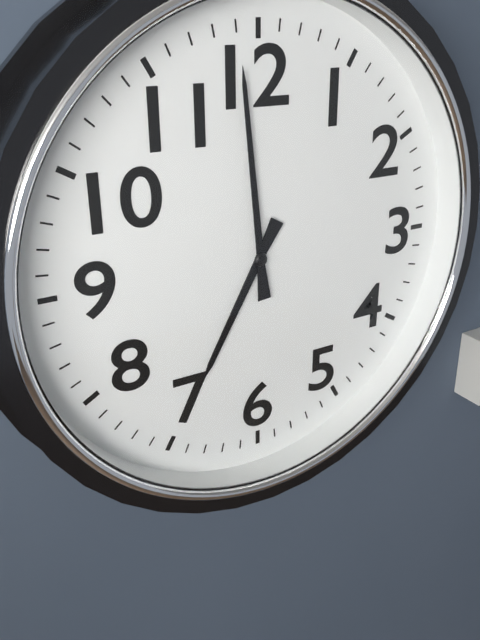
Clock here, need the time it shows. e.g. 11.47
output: 6.59
